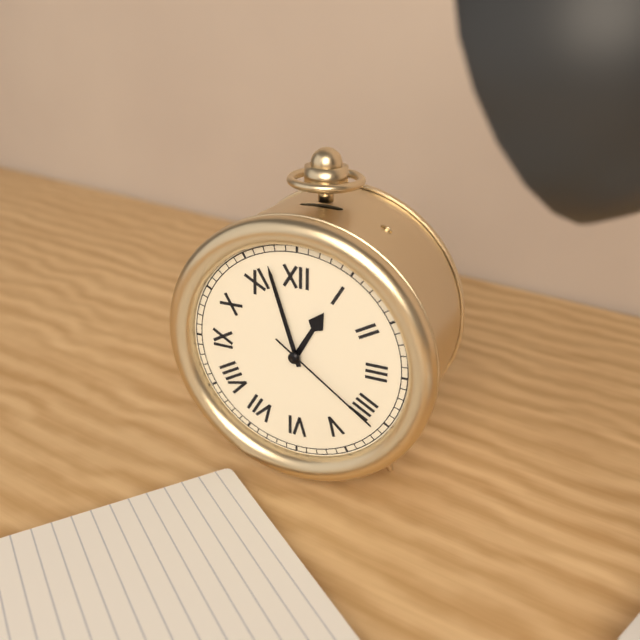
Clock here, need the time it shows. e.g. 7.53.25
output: 12.57.21
